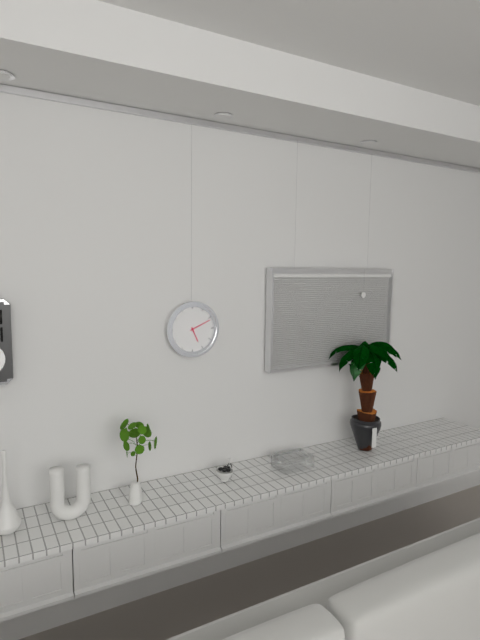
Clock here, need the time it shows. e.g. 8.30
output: 5.11
